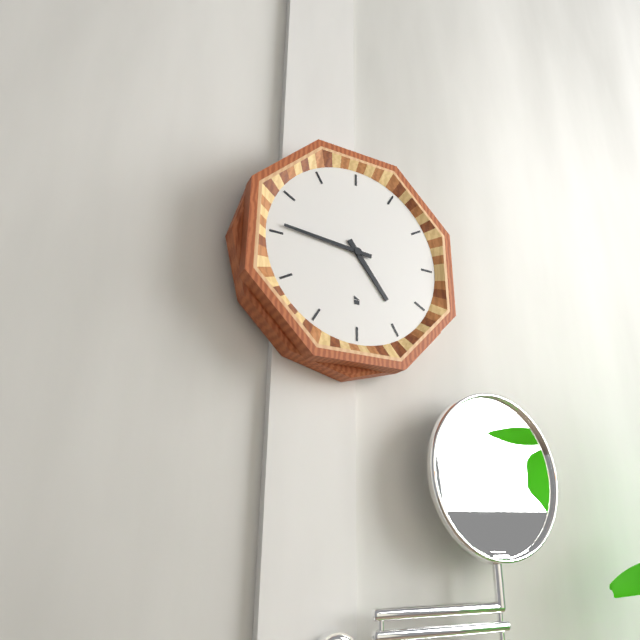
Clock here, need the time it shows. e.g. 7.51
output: 4.46
